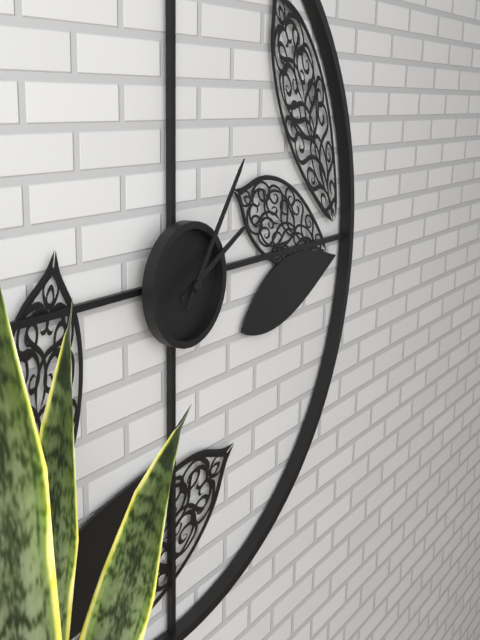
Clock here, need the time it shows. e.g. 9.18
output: 2.06
